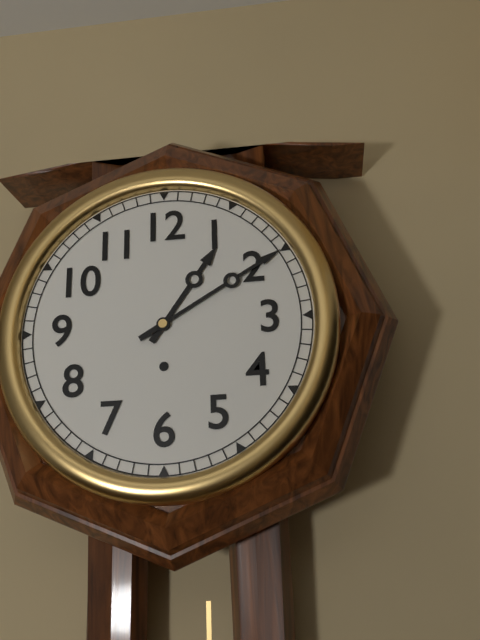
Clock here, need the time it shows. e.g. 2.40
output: 1.10
